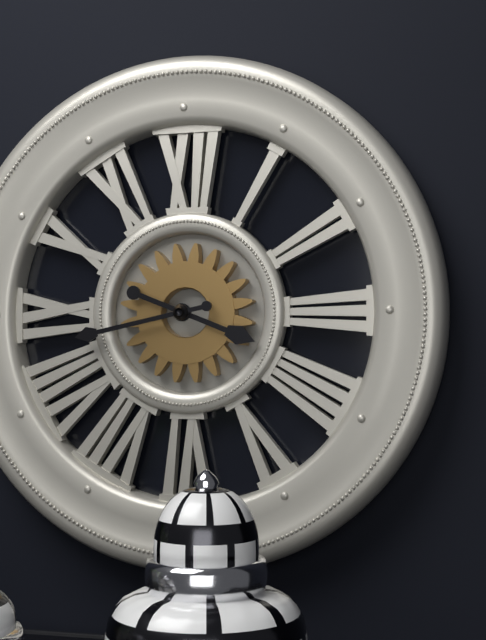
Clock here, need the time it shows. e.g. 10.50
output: 3.43
